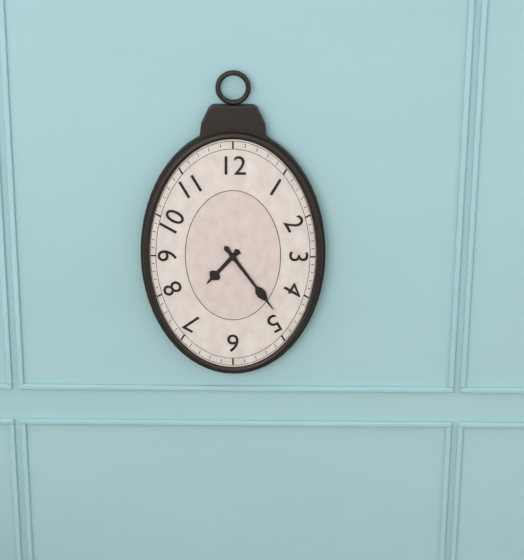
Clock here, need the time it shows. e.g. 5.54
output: 7.24
